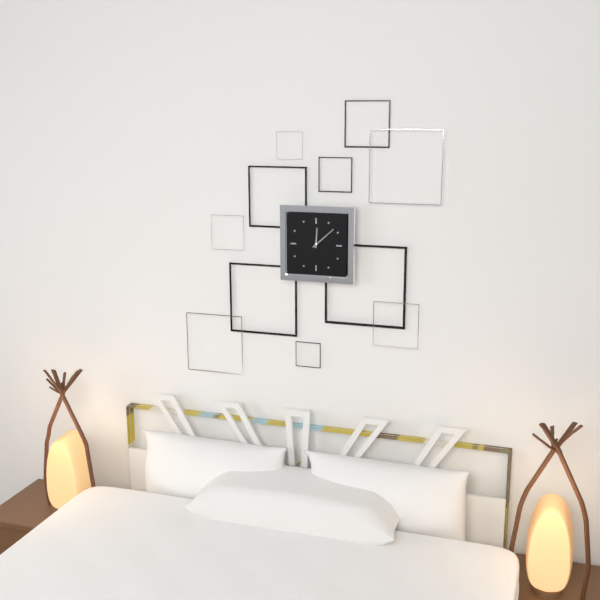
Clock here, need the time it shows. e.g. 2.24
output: 12.08
